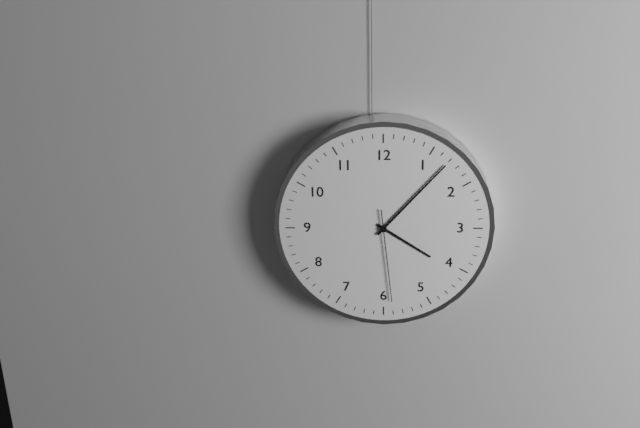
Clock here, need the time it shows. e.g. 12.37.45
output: 4.07.29
